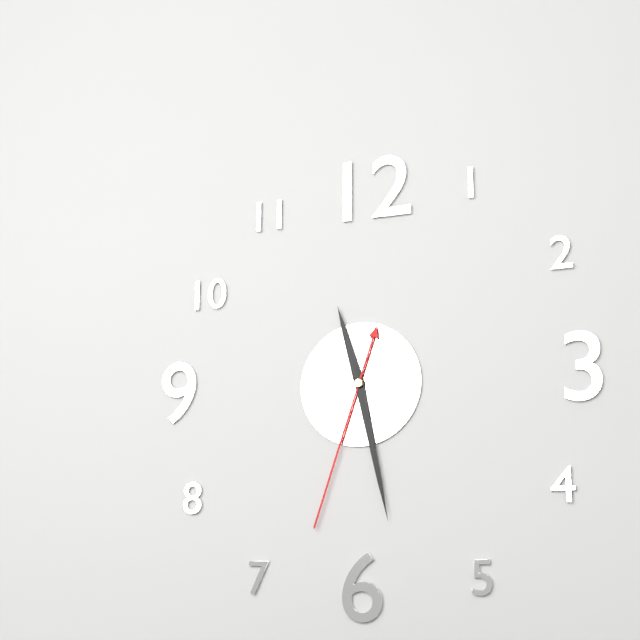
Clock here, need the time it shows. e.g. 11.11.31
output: 11.28.33
